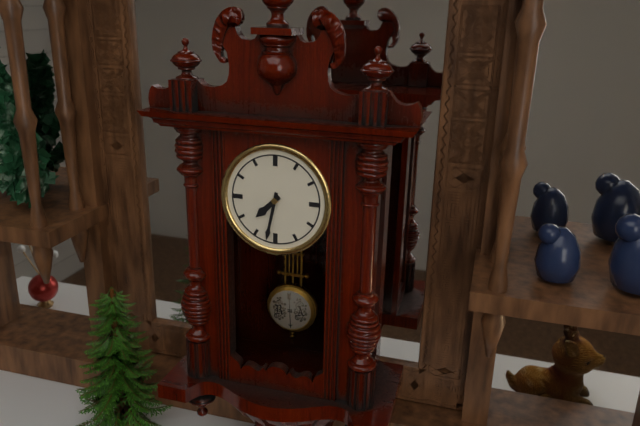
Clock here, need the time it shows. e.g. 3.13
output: 7.32
